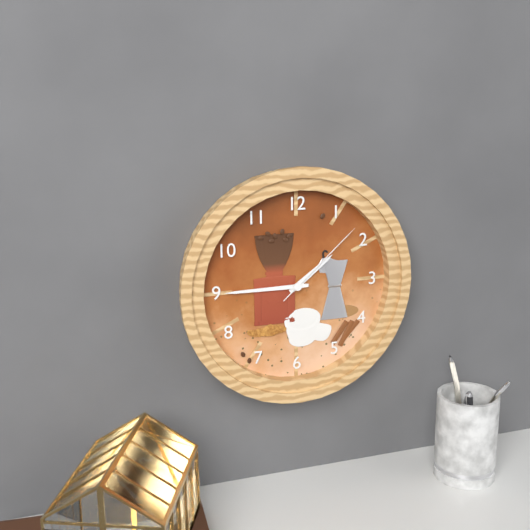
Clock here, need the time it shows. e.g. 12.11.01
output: 1.45.08
